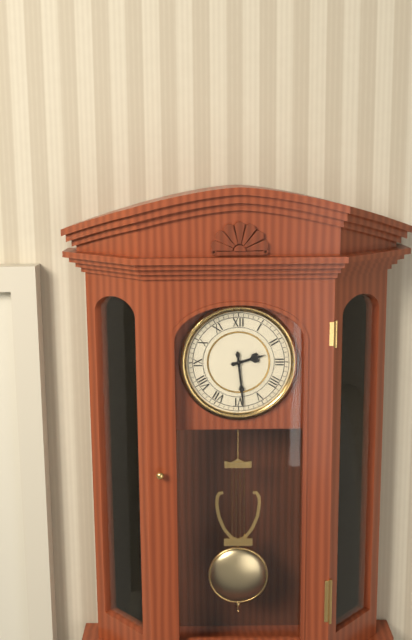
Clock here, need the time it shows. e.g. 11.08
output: 2.29
